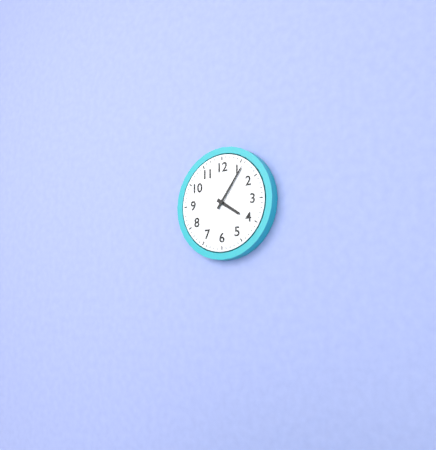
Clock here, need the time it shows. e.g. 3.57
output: 4.06
